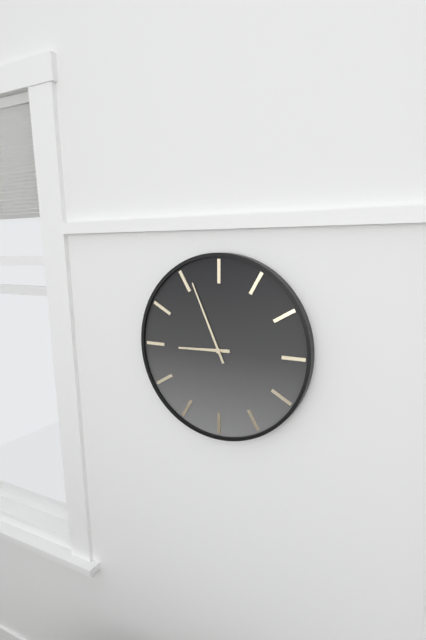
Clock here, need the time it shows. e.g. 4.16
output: 8.56
